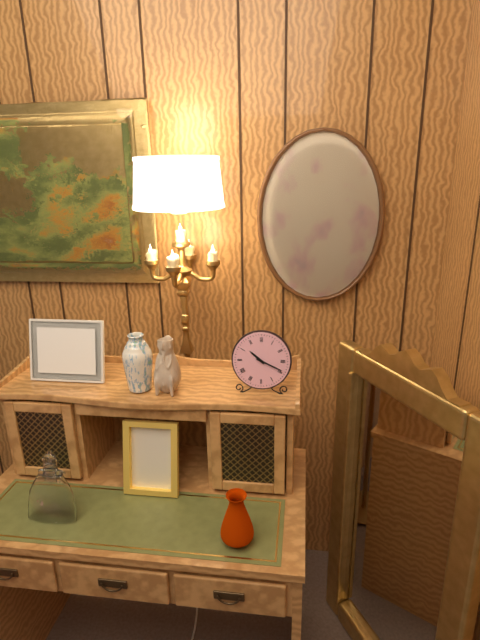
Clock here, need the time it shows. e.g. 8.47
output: 10.19
